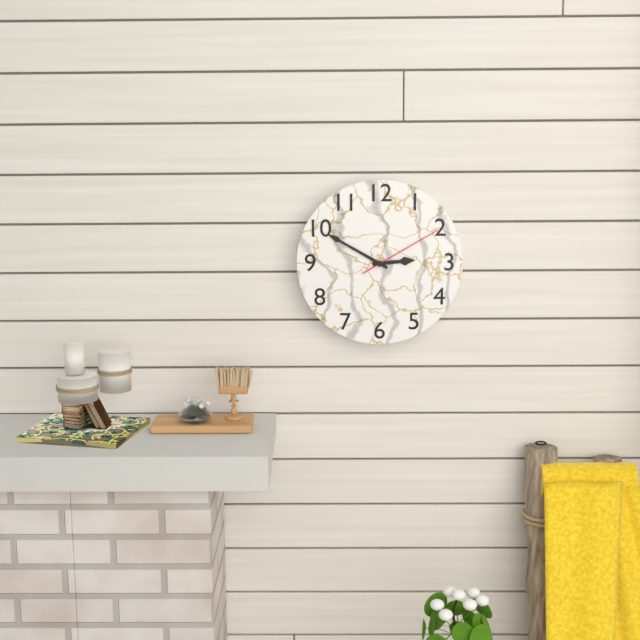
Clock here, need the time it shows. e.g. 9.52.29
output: 2.50.10
